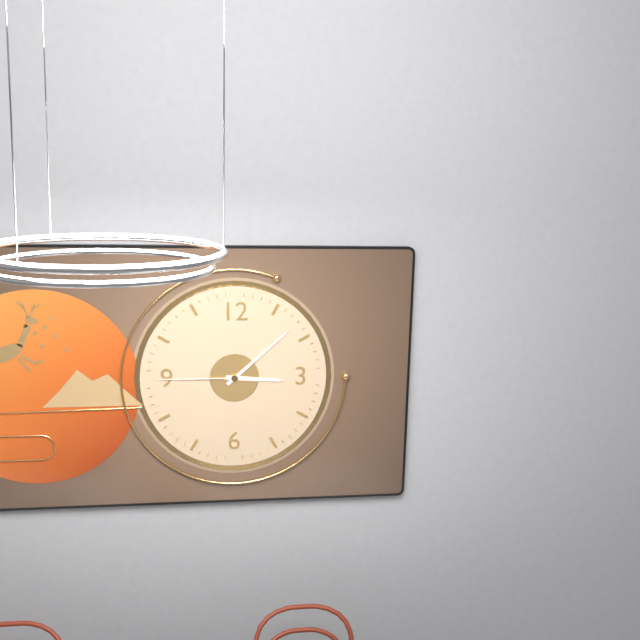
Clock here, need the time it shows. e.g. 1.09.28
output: 3.08.45
